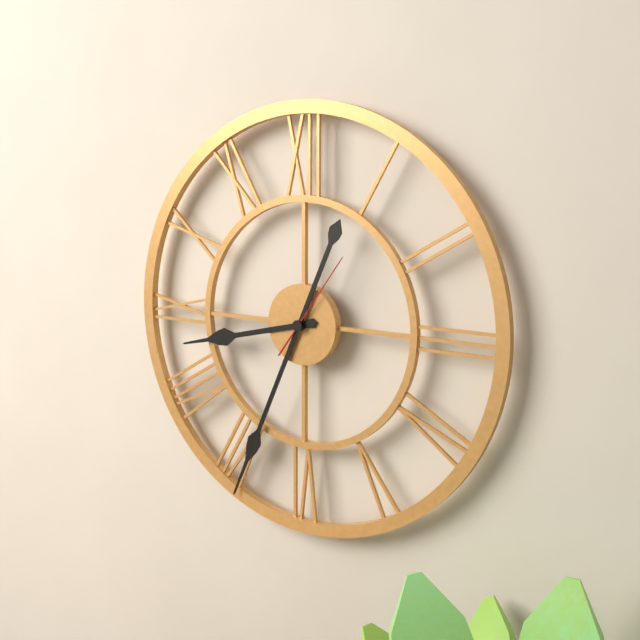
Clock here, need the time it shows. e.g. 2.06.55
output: 8.34.06
